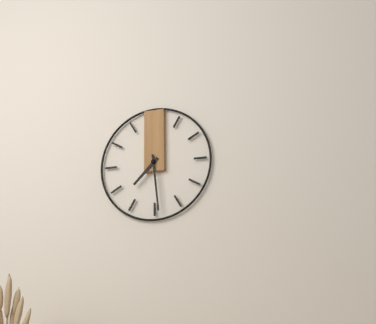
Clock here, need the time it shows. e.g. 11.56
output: 7.29
